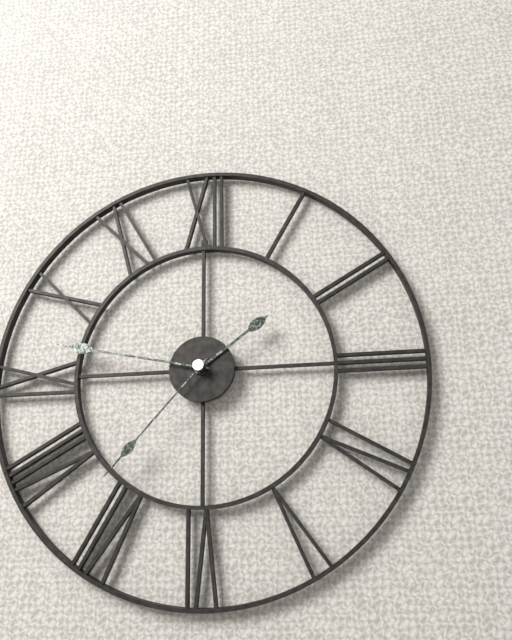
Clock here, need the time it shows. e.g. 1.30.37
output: 1.47.37
